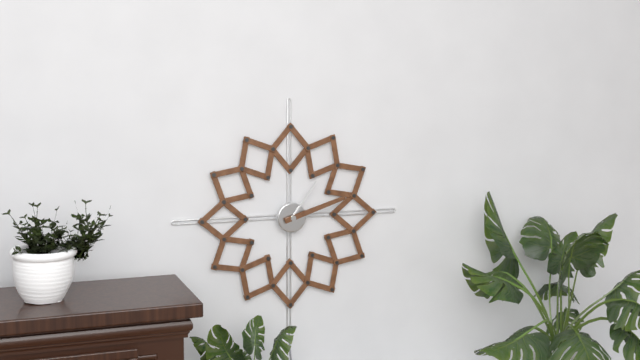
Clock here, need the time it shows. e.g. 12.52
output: 1.12
